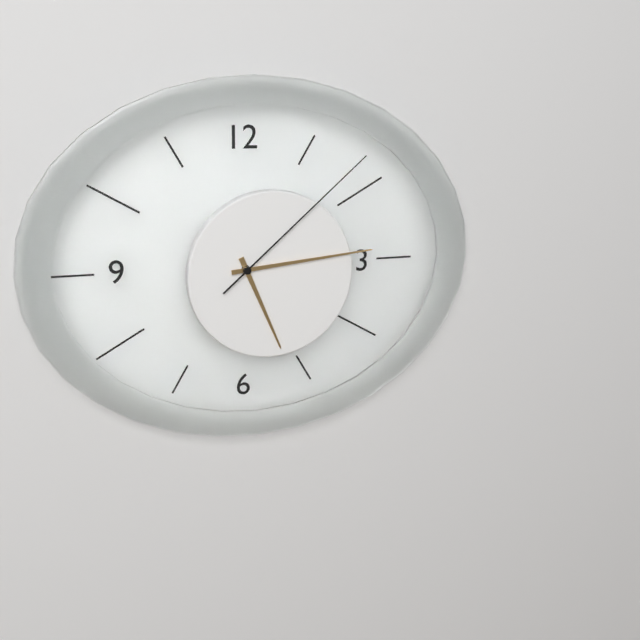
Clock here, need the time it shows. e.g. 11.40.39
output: 5.14.08
